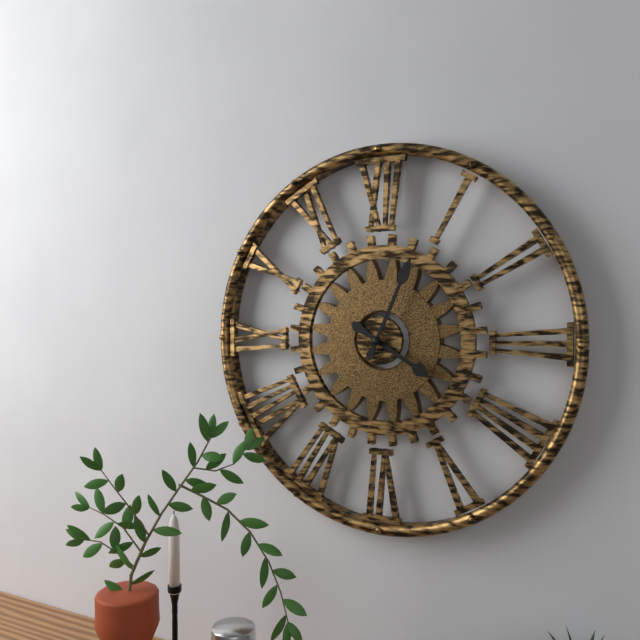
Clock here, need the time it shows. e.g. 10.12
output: 4.04
